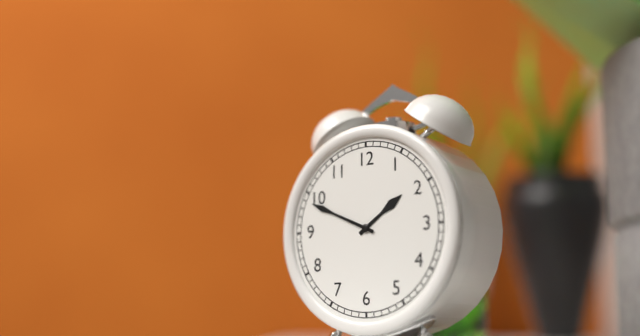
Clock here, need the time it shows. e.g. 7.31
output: 1.49
